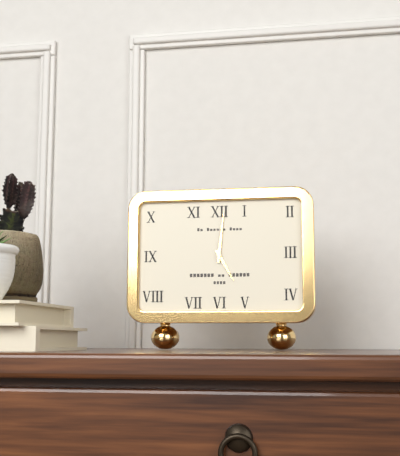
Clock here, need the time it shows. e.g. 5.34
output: 5.01
